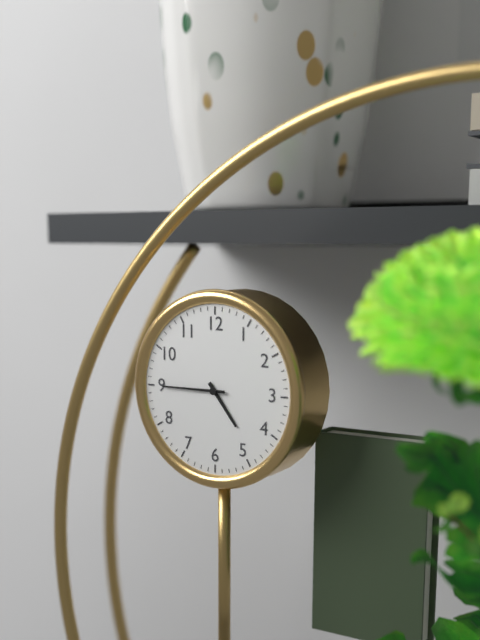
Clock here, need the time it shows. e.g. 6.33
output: 4.45
